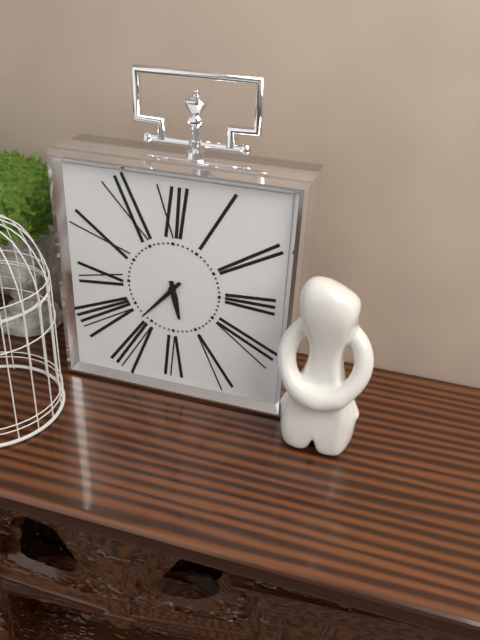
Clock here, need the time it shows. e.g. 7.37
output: 5.37
